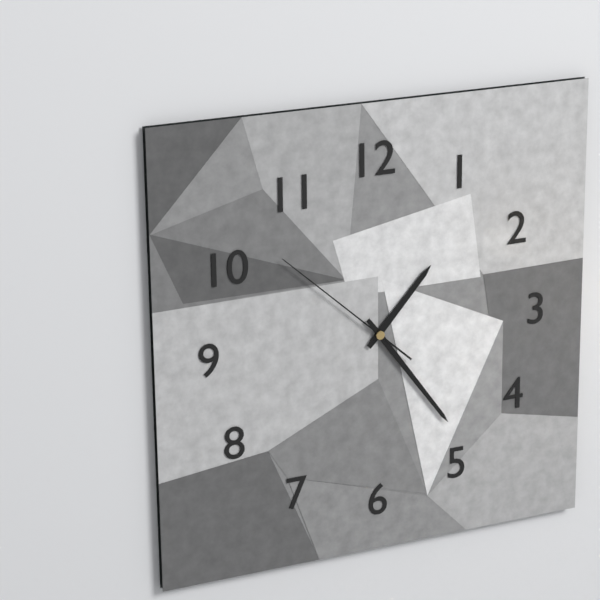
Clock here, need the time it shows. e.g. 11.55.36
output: 1.24.52
